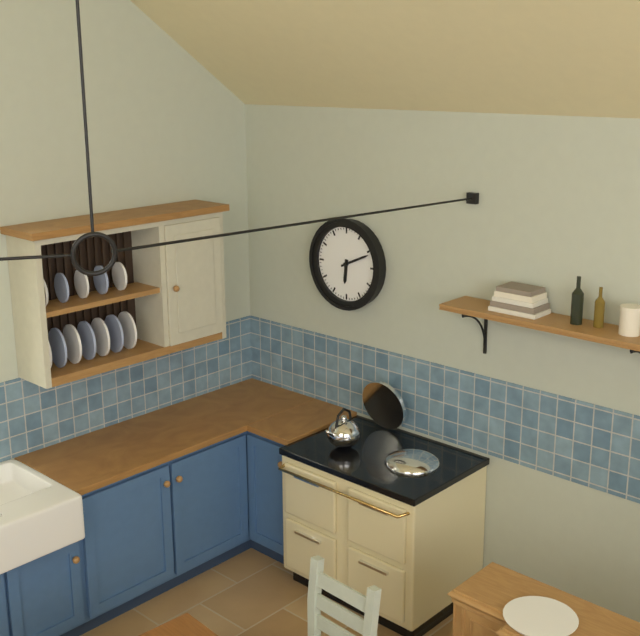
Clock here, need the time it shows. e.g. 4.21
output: 6.11
